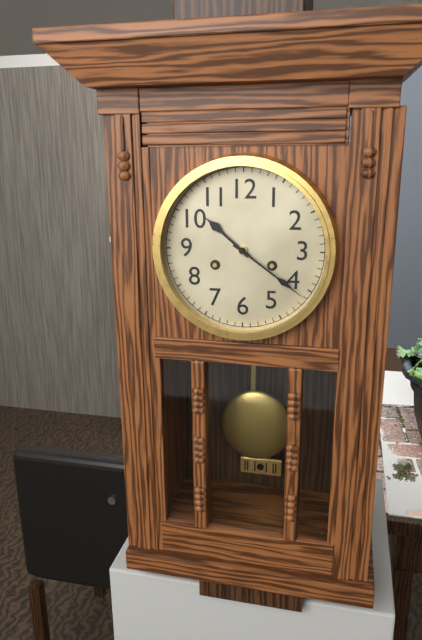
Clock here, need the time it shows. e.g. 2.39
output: 10.21
